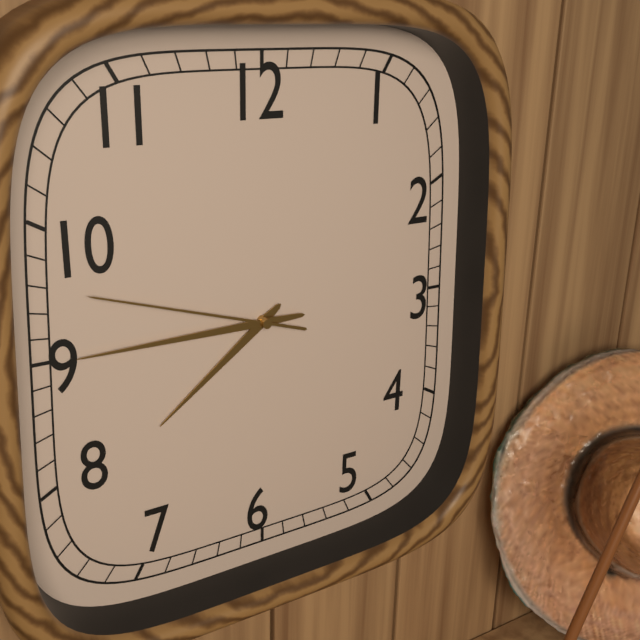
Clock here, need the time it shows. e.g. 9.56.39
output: 7.45.48
